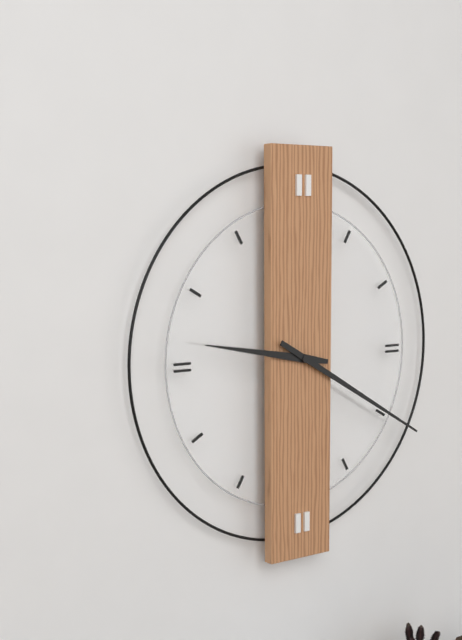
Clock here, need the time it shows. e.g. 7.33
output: 9.20
